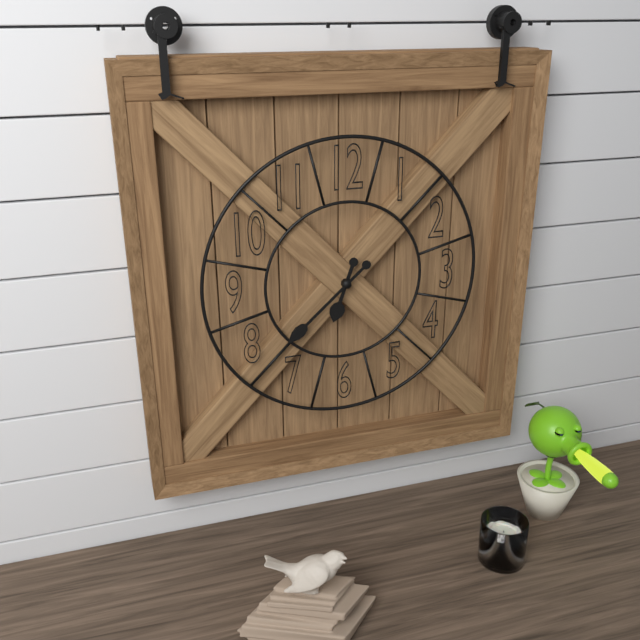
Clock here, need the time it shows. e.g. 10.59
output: 6.38
